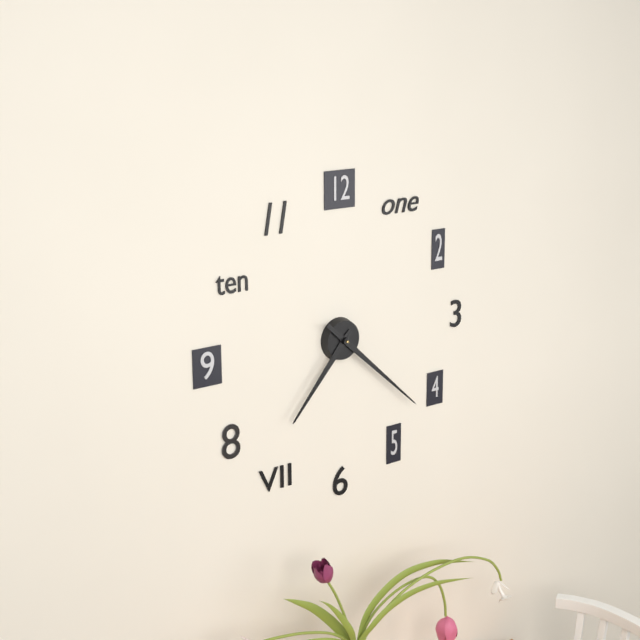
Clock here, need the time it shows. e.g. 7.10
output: 7.22
